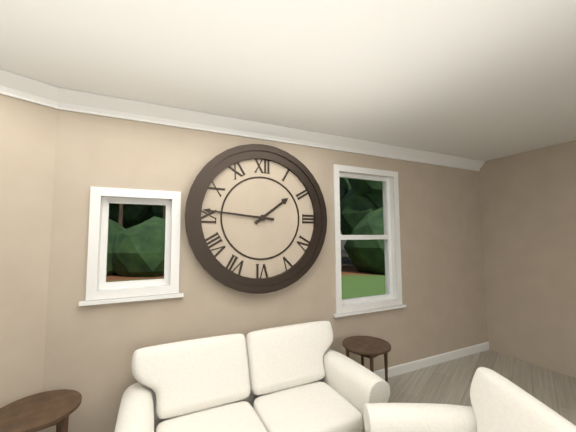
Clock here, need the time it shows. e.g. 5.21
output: 1.46
